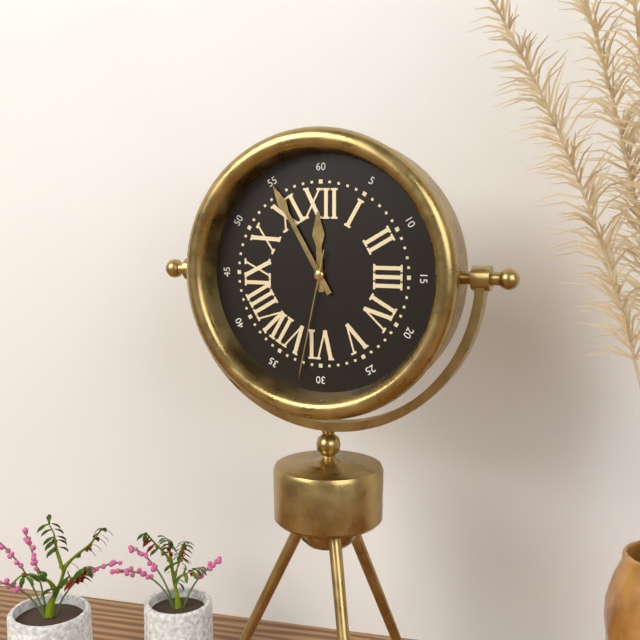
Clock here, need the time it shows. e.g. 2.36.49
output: 11.55.32
